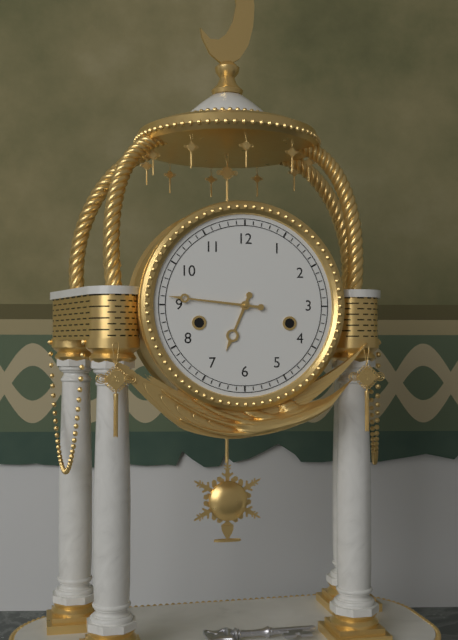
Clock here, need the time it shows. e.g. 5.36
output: 6.46
